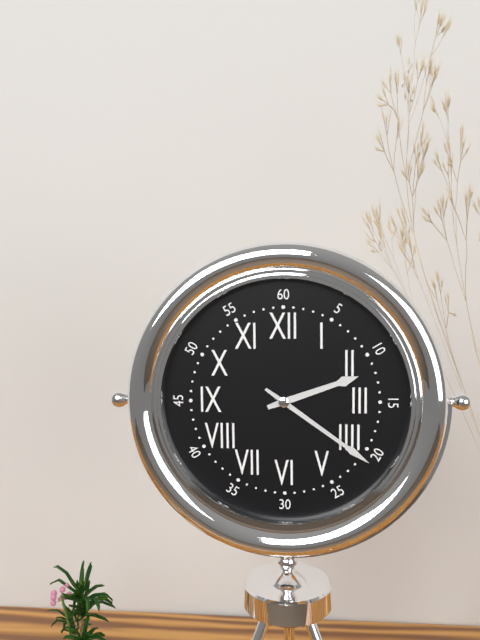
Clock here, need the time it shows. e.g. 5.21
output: 2.21
